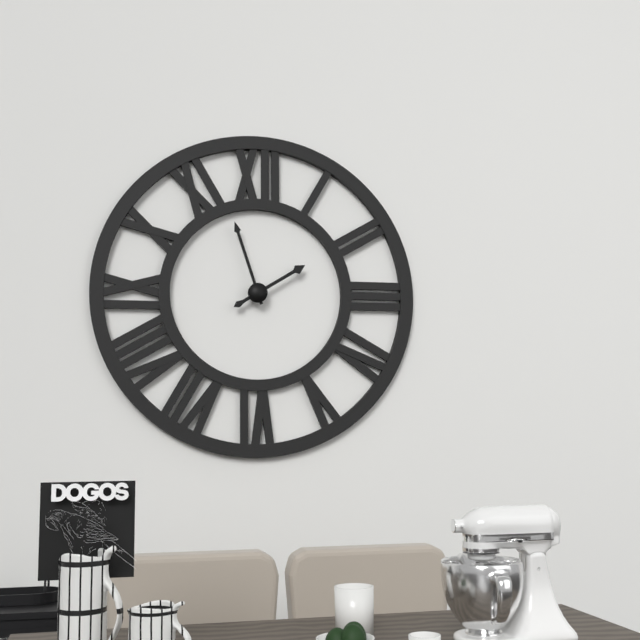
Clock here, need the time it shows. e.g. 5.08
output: 1.57
